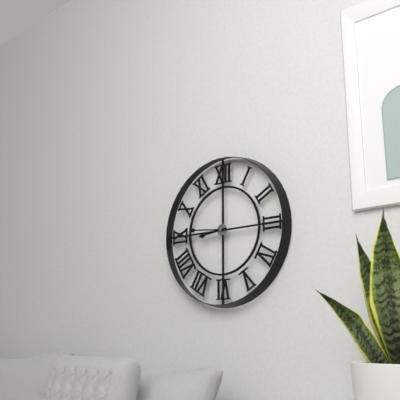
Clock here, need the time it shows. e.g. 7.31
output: 8.46
